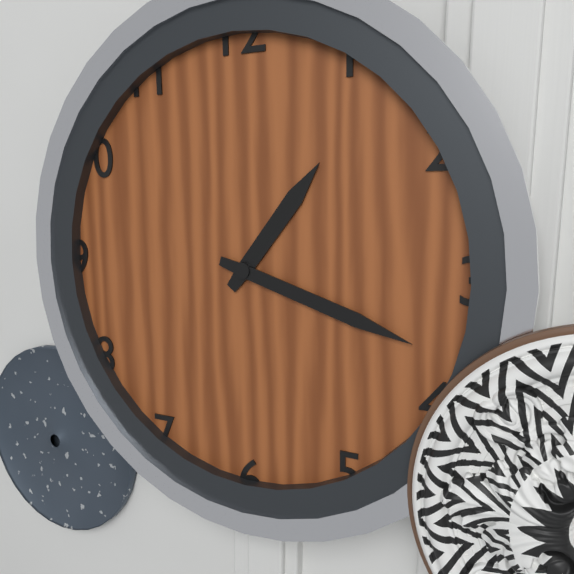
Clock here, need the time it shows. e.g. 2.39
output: 1.18
